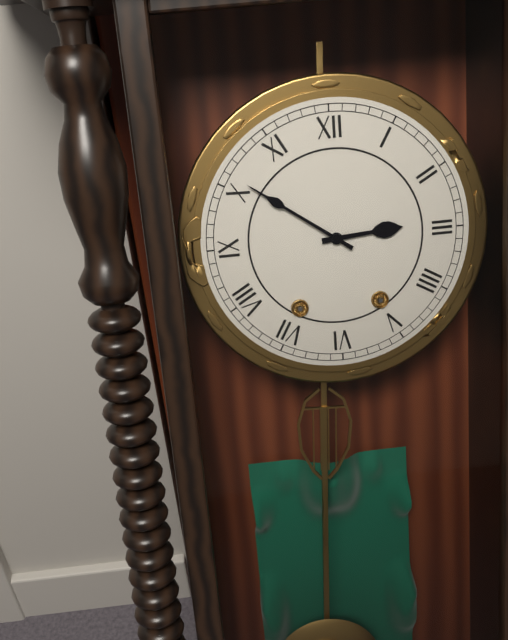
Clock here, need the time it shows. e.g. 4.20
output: 2.51
